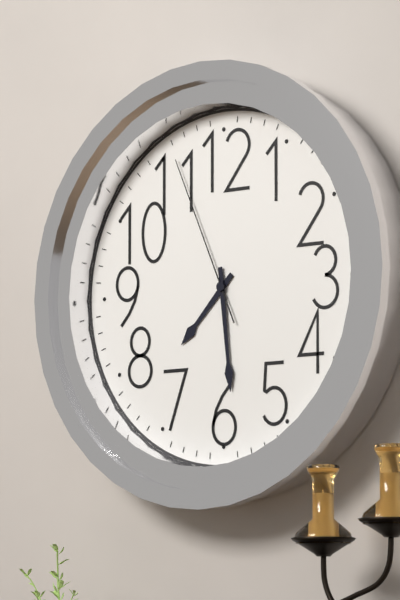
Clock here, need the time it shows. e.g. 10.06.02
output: 7.29.56
